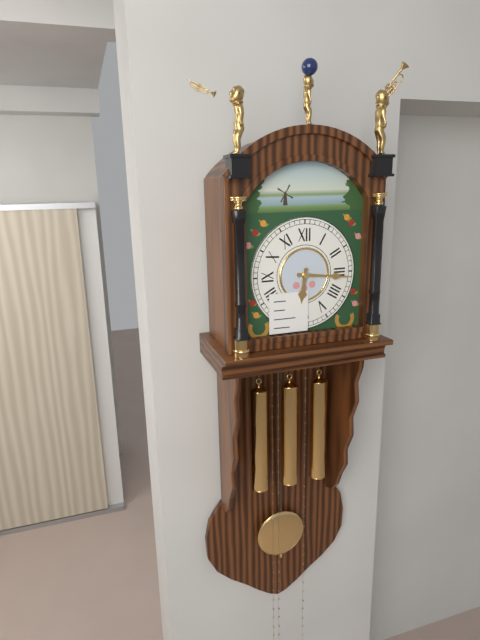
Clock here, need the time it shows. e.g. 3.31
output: 6.16
